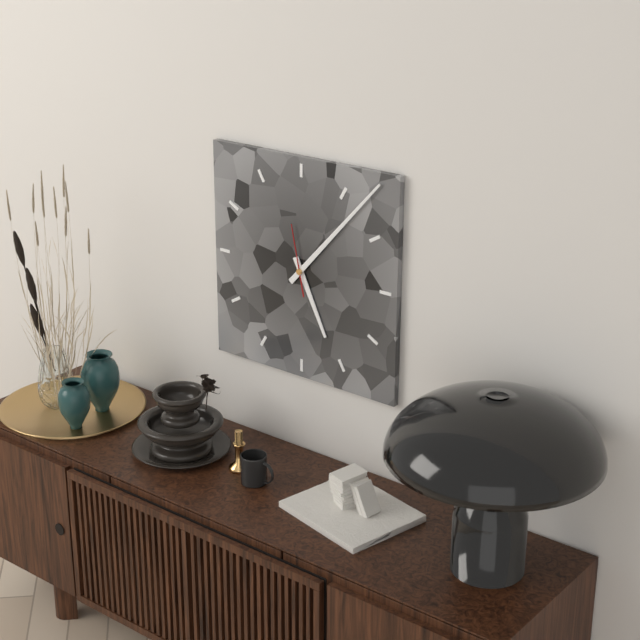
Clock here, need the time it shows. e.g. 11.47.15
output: 5.07.58
